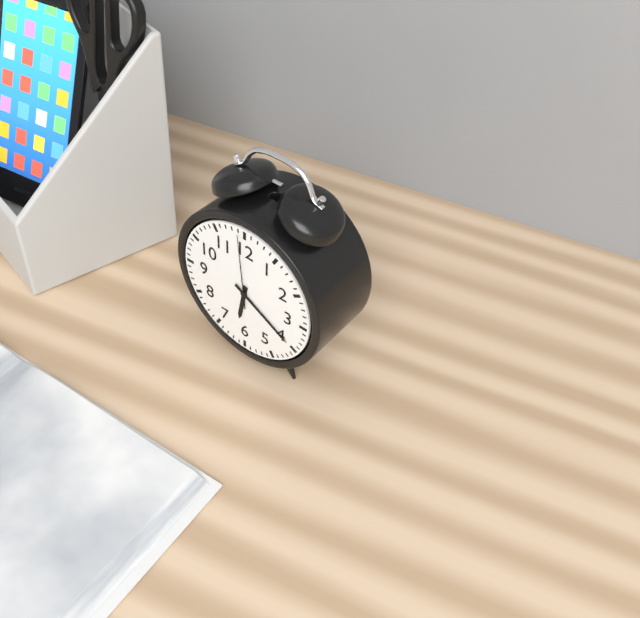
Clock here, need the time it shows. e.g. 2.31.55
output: 6.20.59
